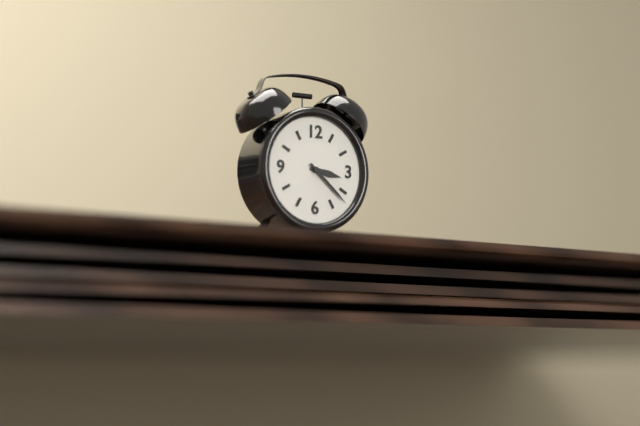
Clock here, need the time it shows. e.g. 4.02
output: 3.22
